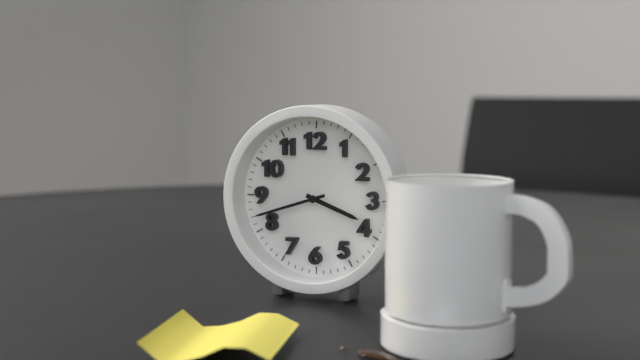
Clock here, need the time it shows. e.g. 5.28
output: 3.42
